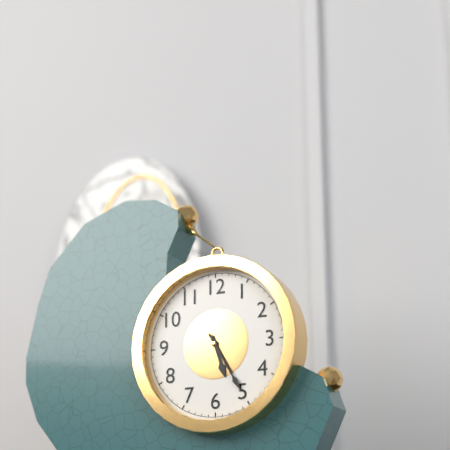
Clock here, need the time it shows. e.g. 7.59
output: 5.25
